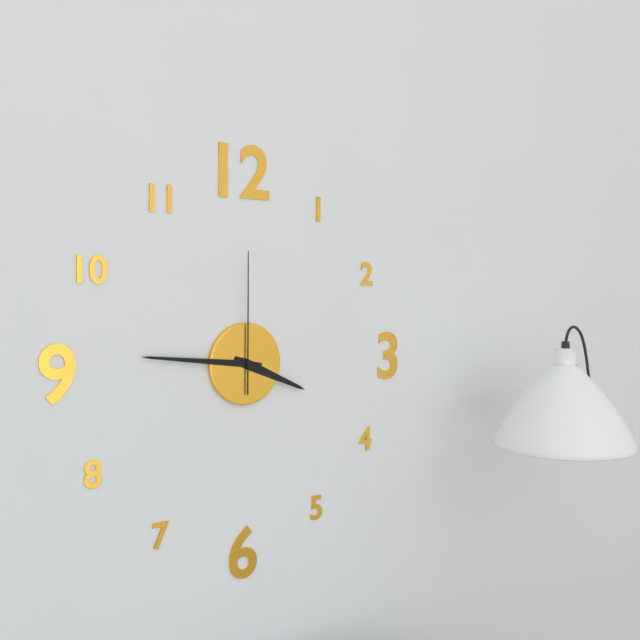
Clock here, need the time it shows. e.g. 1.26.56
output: 3.46.00
